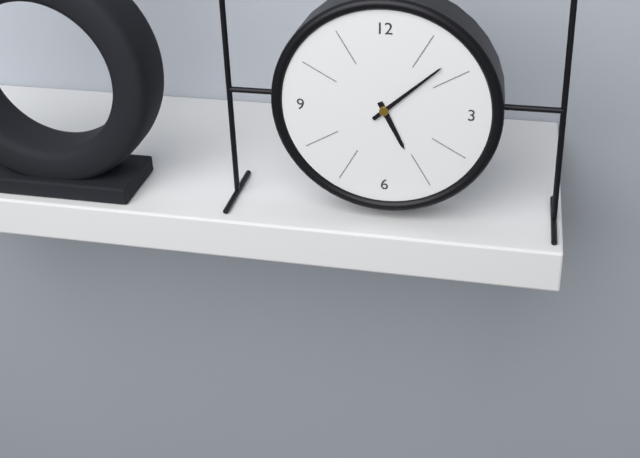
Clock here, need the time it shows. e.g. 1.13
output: 5.08
